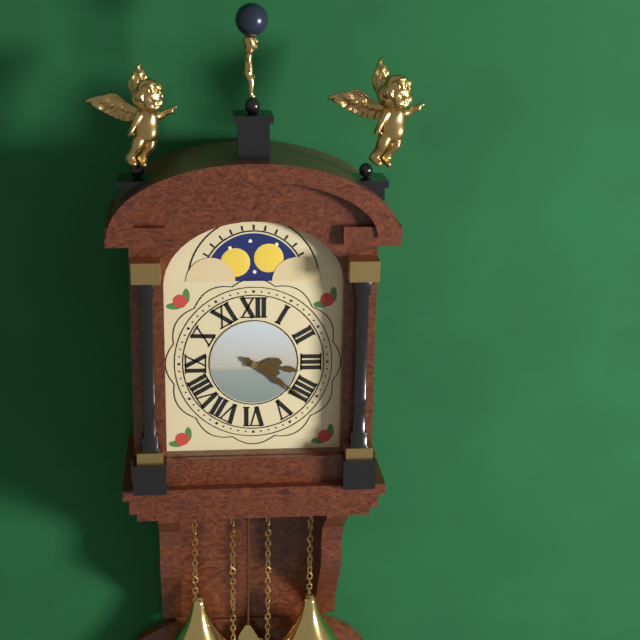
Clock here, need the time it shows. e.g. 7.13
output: 3.21
